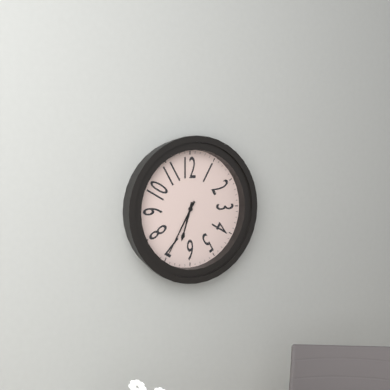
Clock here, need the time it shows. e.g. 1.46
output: 6.35
